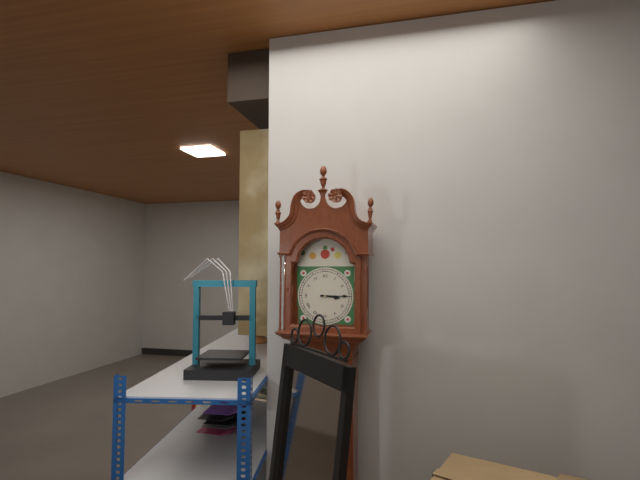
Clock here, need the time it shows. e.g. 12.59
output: 3.15
